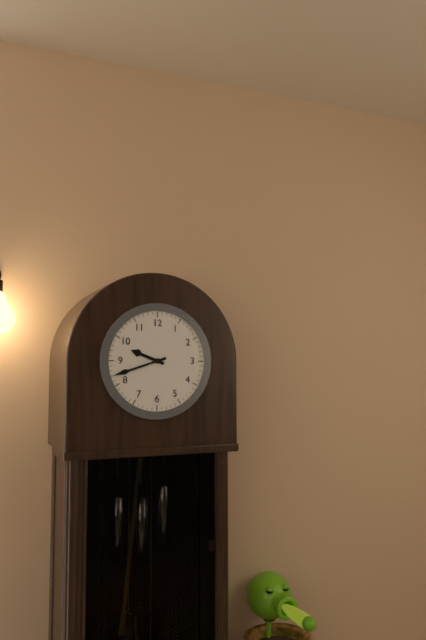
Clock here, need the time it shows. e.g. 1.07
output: 9.42
